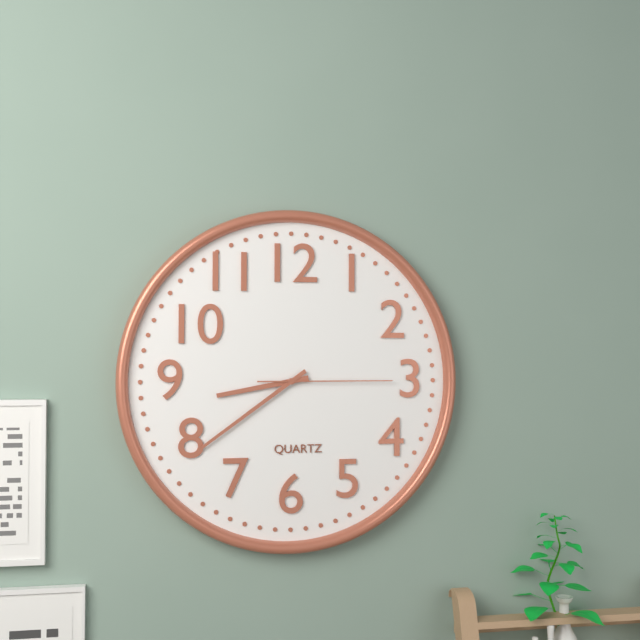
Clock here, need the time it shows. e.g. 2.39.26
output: 8.39.15
